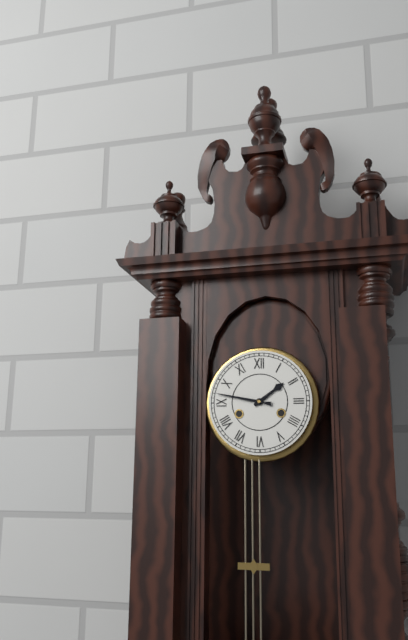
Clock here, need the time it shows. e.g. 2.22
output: 1.47
